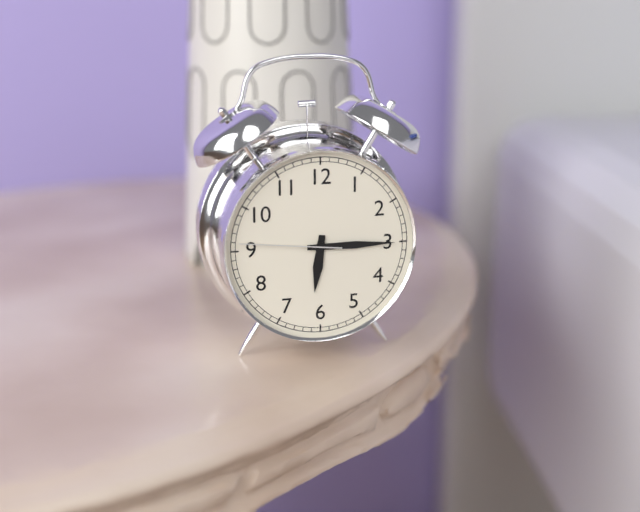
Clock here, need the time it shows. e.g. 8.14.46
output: 6.15.46
